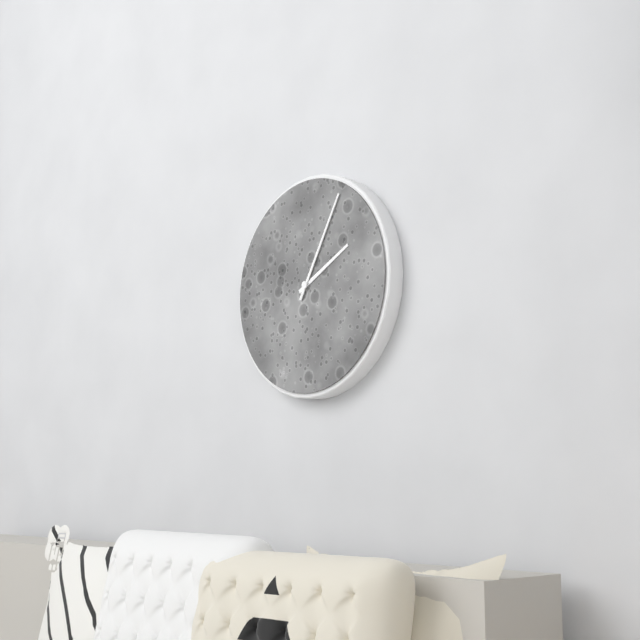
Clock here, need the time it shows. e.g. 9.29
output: 2.05
